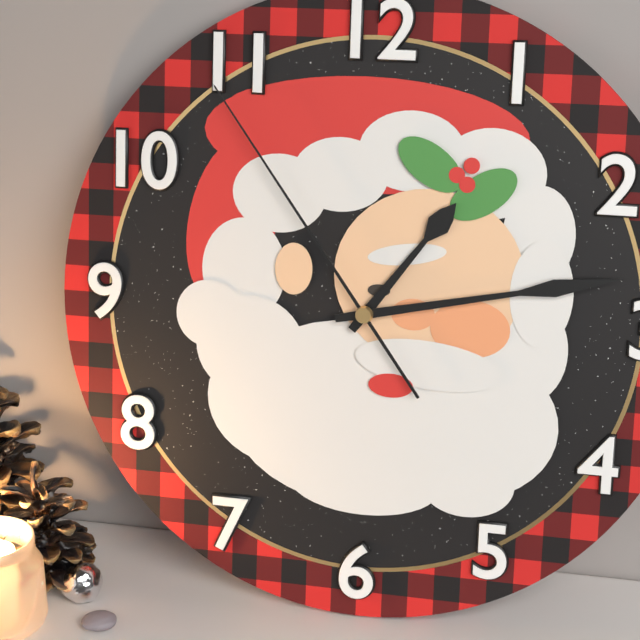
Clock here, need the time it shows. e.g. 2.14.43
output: 1.13.54
